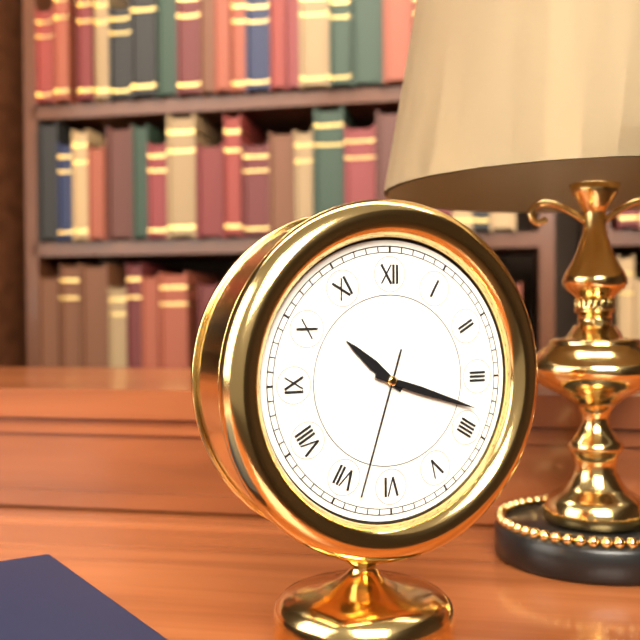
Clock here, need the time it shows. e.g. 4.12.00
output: 10.18.33
